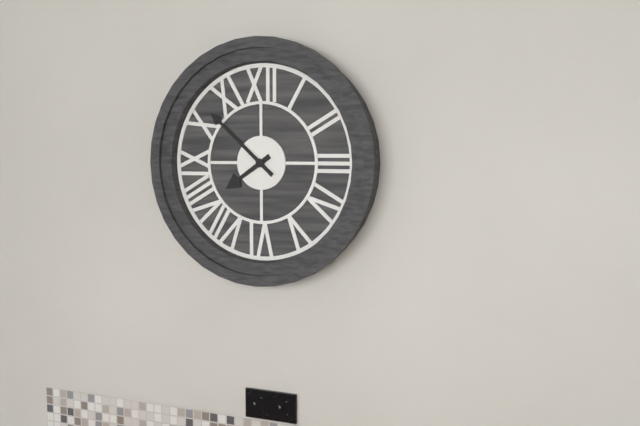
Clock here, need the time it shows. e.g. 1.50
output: 7.52
